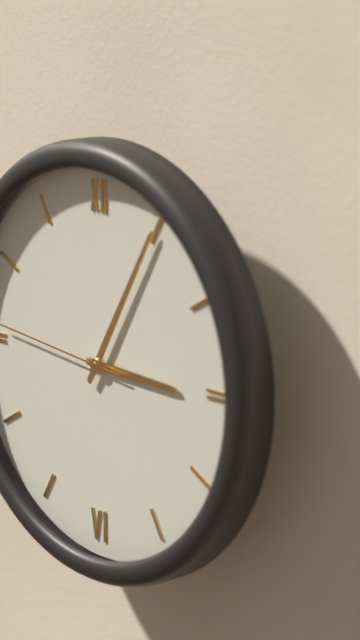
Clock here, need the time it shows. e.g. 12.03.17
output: 3.05.46
